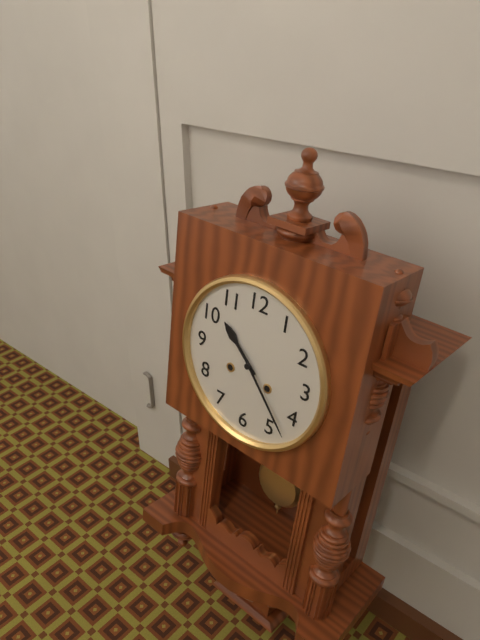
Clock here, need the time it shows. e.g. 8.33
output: 10.23
